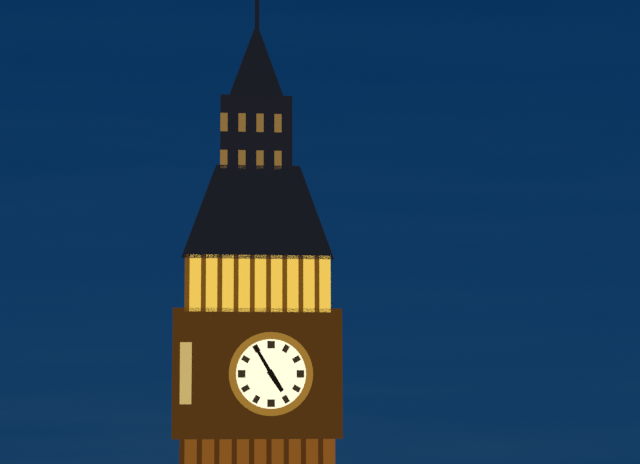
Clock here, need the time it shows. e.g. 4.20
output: 4.55
